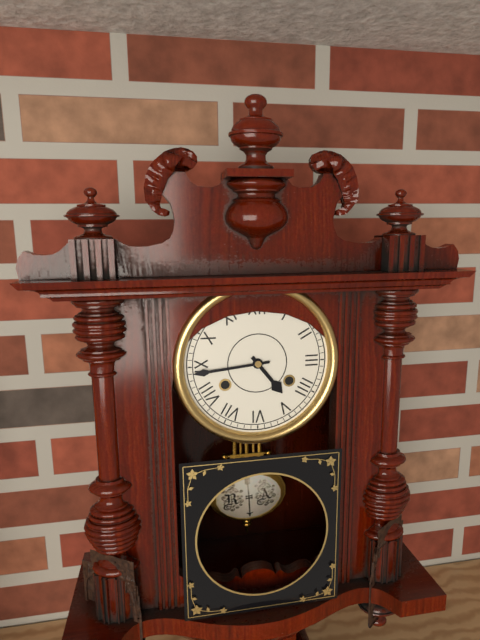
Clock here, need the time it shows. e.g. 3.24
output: 4.44
